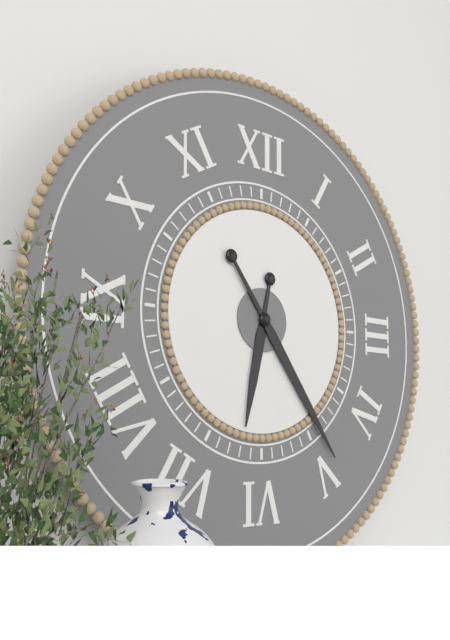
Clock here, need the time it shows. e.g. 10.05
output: 6.24
